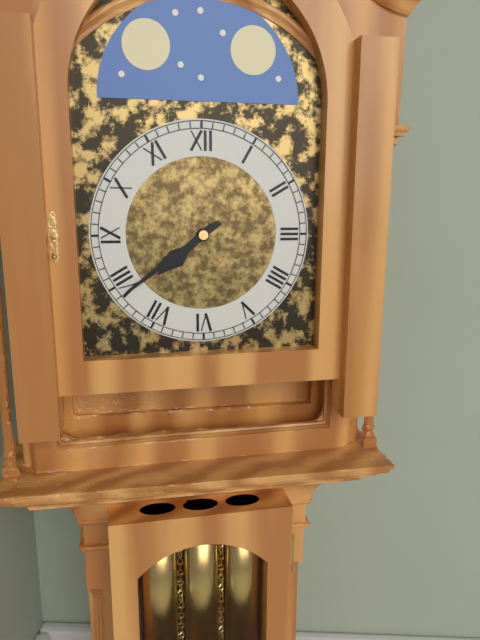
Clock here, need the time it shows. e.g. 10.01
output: 7.39
